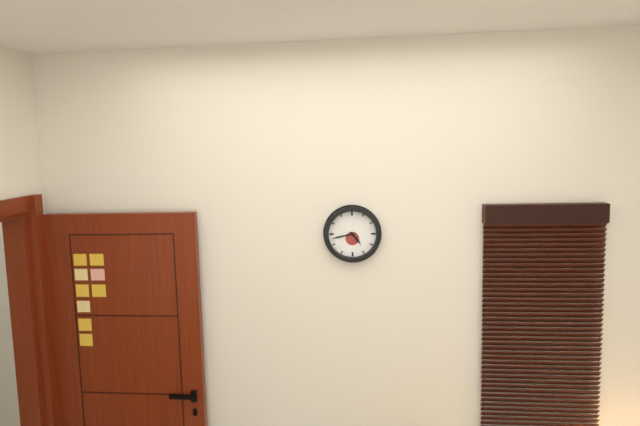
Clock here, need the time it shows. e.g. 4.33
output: 4.43
